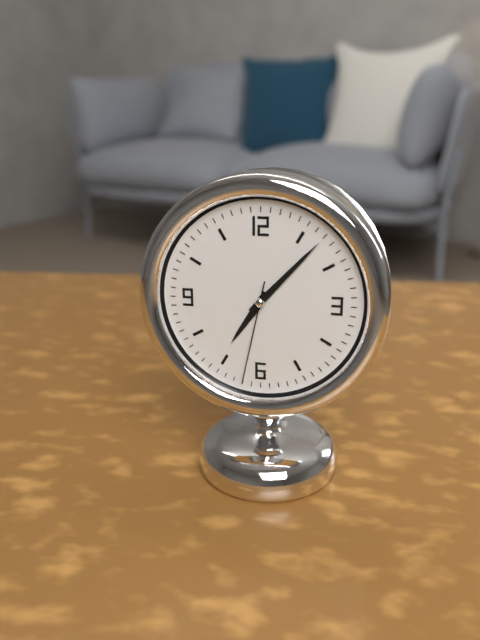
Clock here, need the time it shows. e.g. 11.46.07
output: 7.07.32
